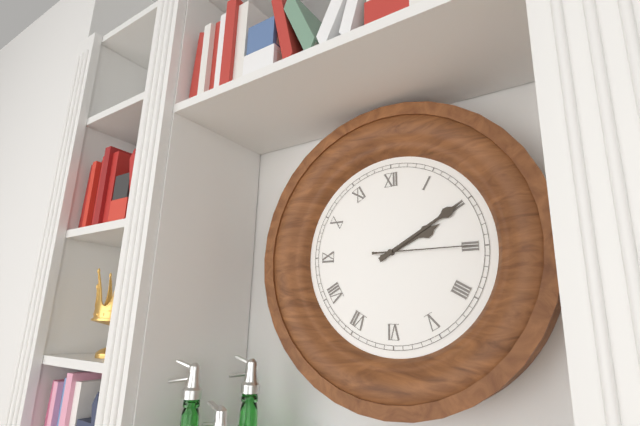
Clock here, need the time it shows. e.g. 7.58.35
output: 2.10.15
